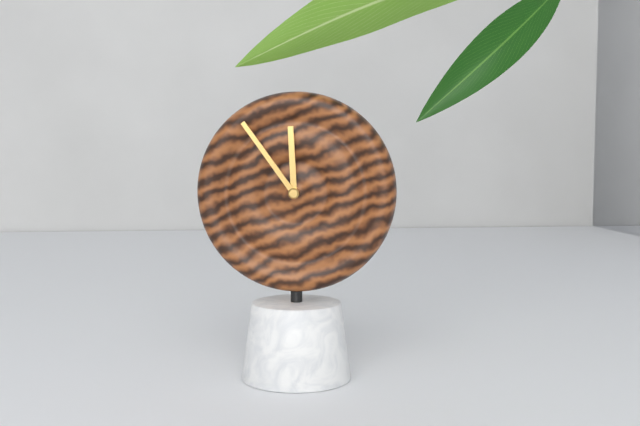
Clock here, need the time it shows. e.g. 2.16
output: 11.54
